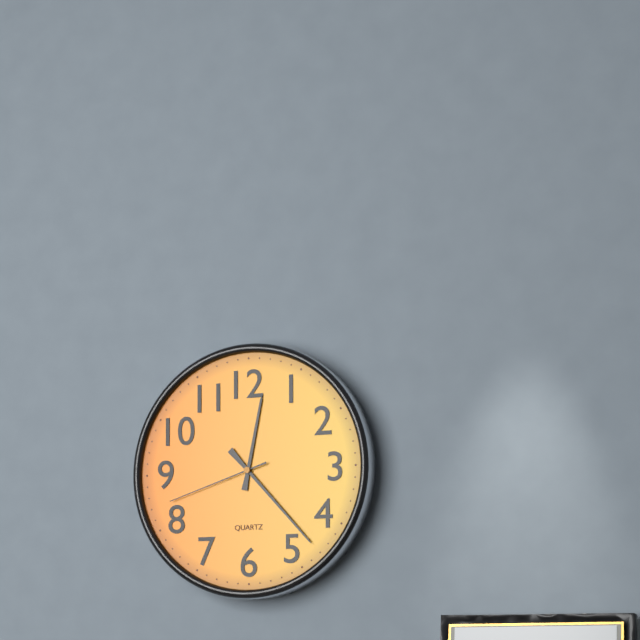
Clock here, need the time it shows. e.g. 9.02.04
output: 12.23.42
